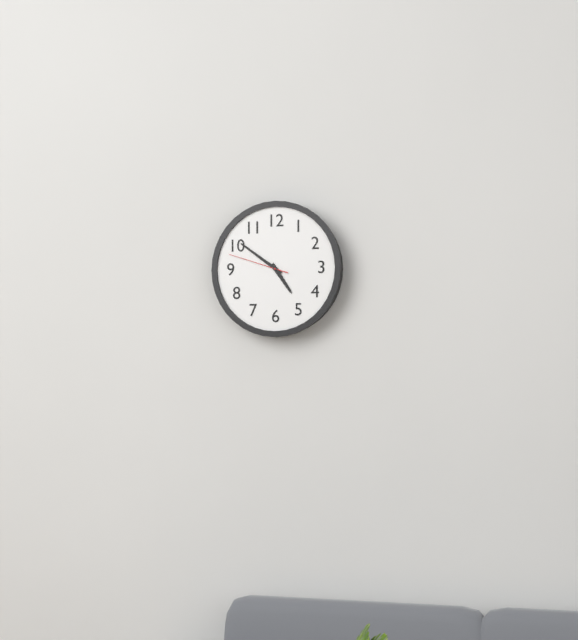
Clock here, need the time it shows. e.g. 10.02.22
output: 4.51.48
